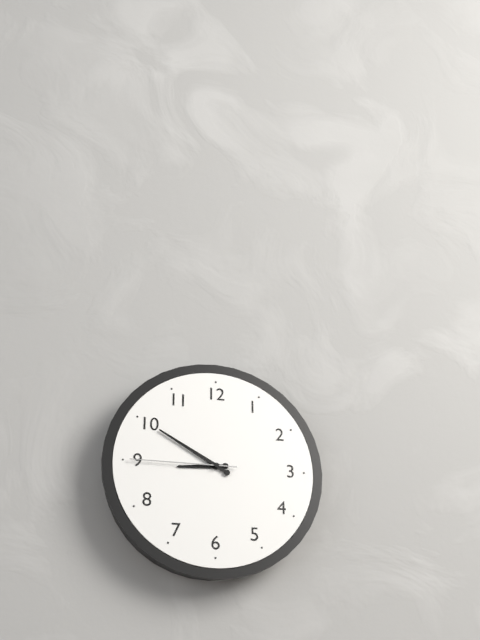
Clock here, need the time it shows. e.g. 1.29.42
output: 8.50.45
